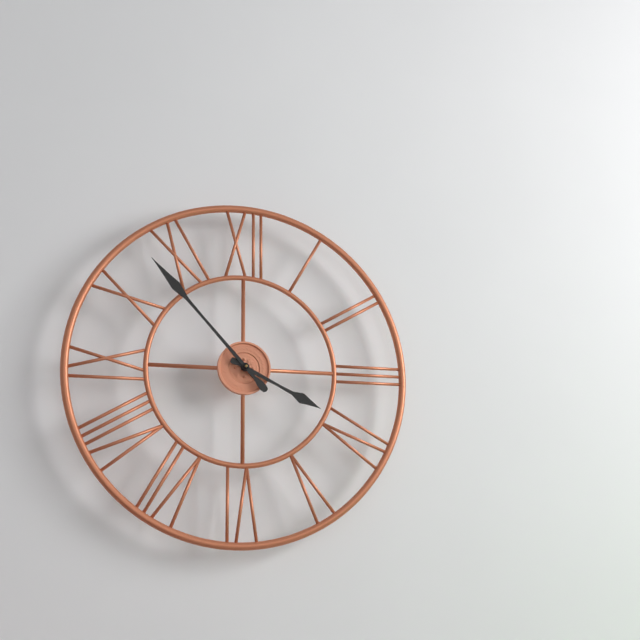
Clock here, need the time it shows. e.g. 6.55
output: 3.53
